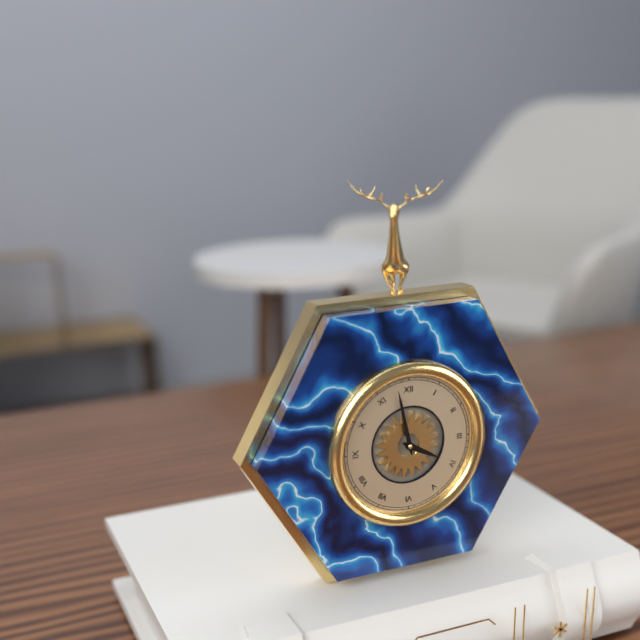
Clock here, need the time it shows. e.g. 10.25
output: 3.58
